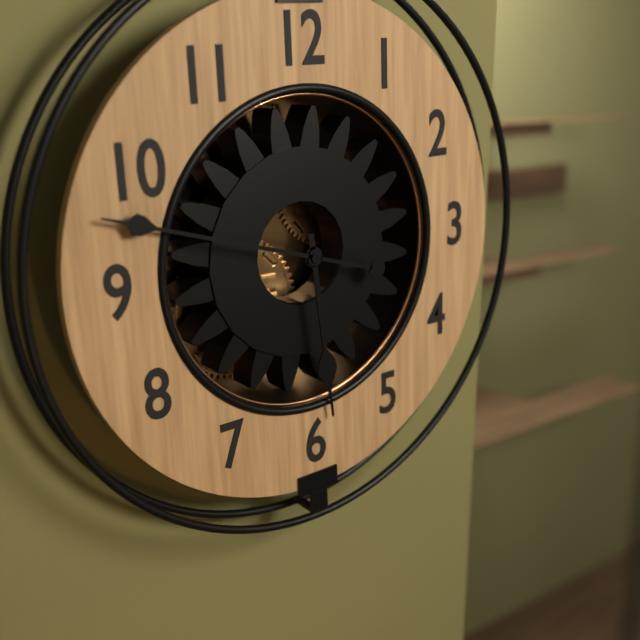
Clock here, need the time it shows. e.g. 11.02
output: 5.48
